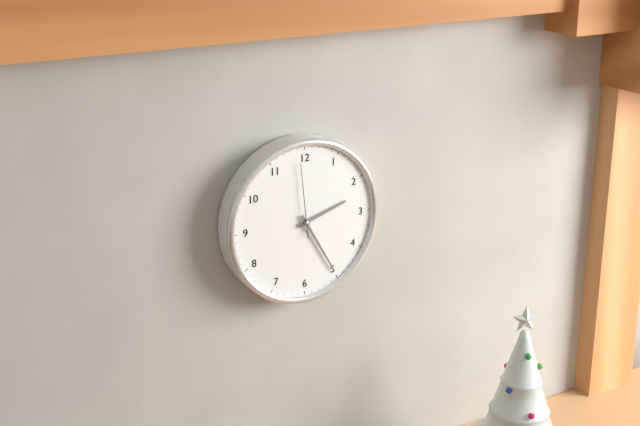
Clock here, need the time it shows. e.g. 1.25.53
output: 2.25.59
